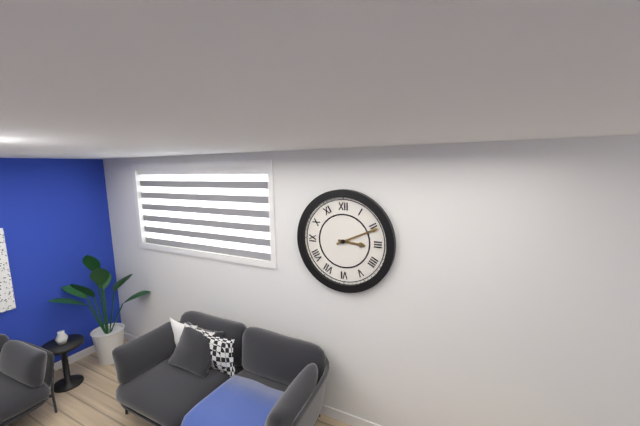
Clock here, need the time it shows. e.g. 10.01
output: 3.11
